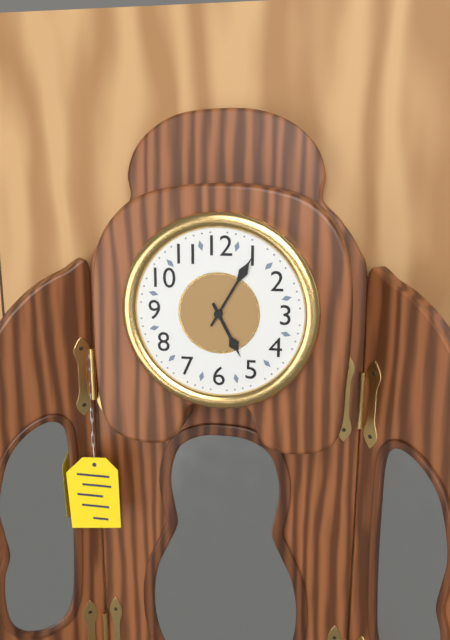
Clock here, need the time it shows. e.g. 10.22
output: 5.05
